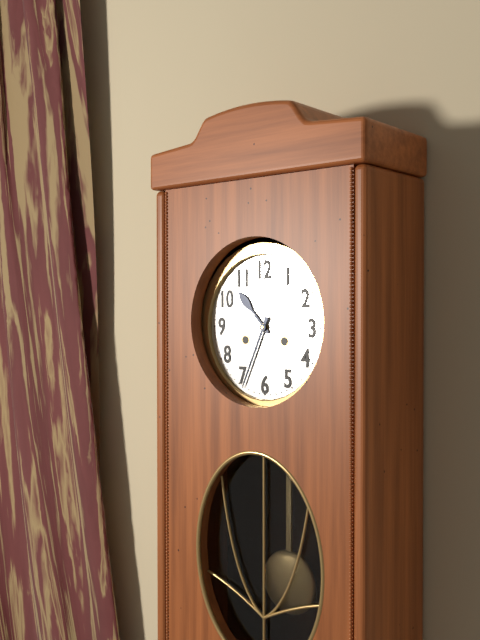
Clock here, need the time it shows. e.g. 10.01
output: 10.34
